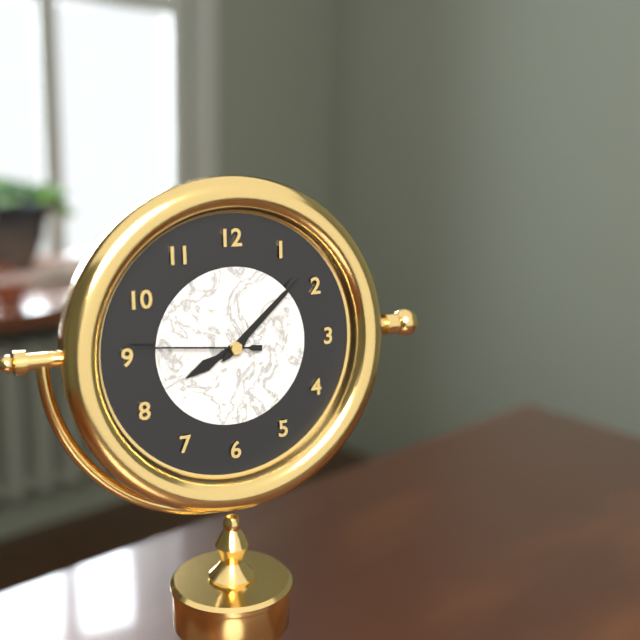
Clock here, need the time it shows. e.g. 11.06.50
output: 8.08.46
